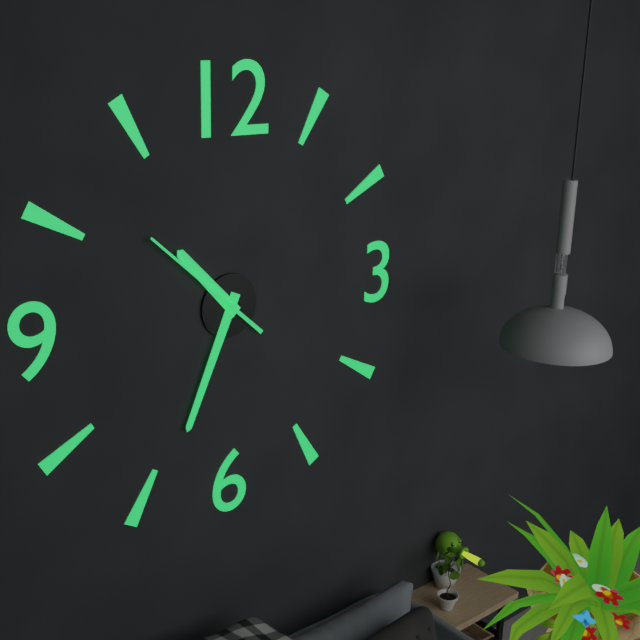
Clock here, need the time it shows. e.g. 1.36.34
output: 10.34.52
